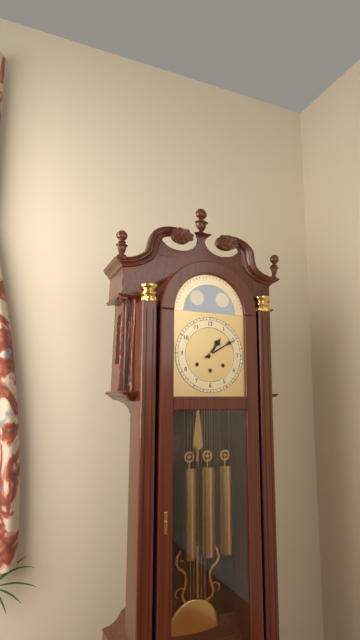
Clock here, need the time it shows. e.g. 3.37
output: 1.10
